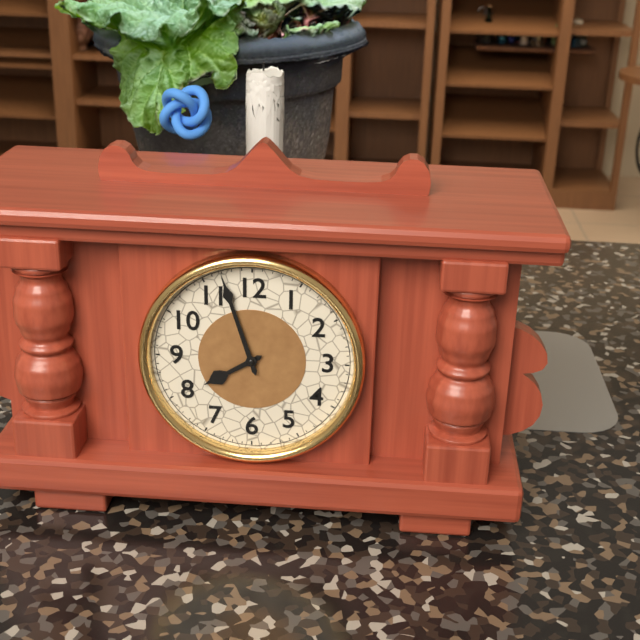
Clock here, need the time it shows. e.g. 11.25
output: 7.57
